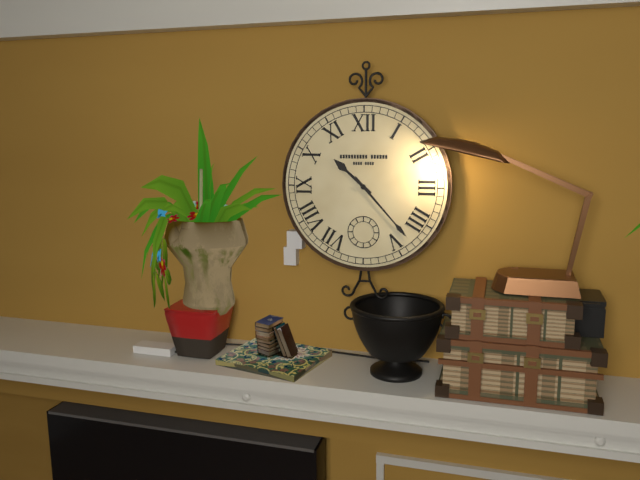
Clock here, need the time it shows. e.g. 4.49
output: 10.23
